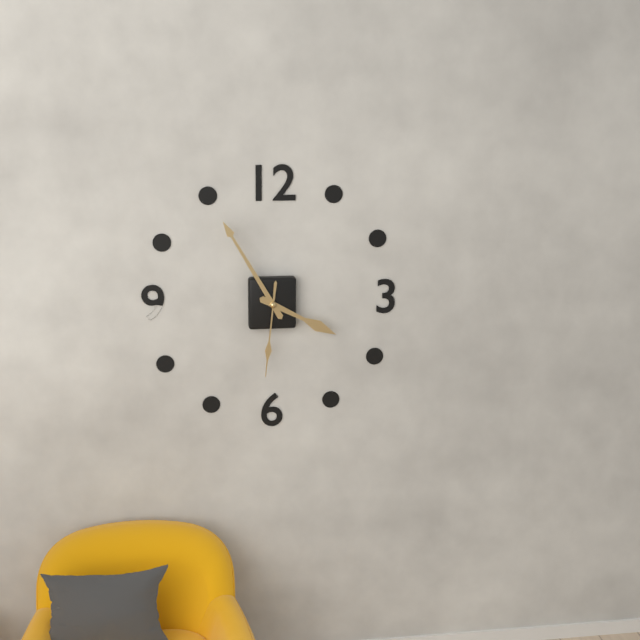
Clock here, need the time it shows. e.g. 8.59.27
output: 3.55.31
